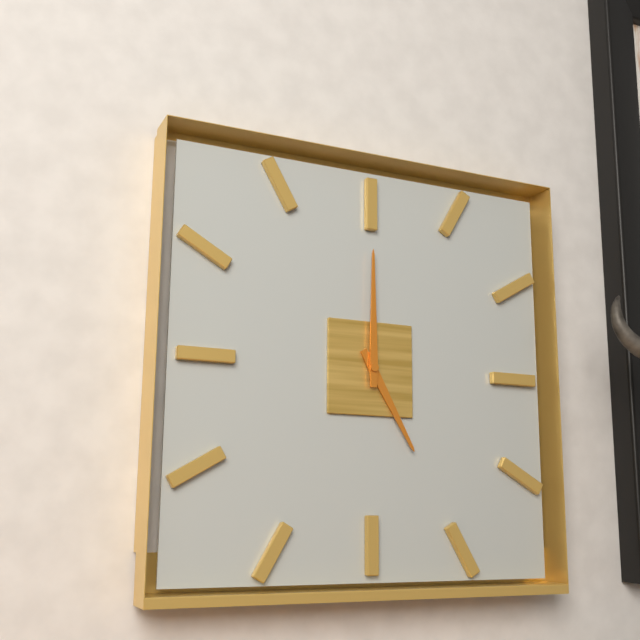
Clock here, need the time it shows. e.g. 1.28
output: 5.00
